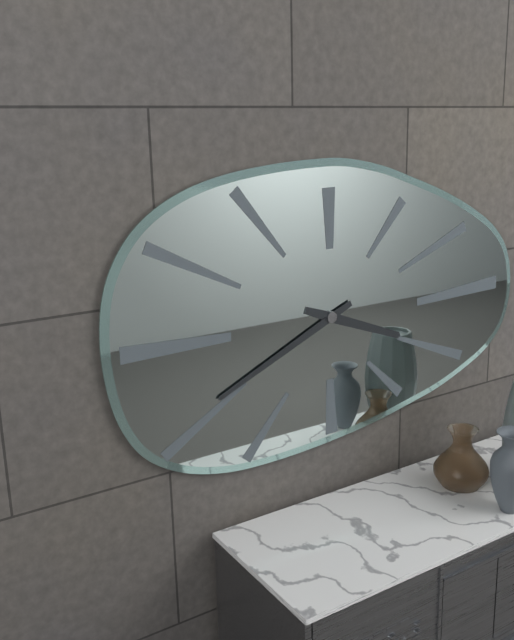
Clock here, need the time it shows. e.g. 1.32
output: 3.41
